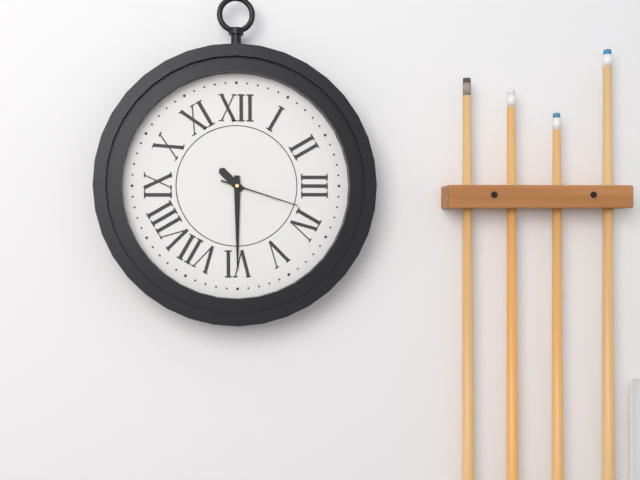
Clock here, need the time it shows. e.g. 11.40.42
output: 10.30.18
